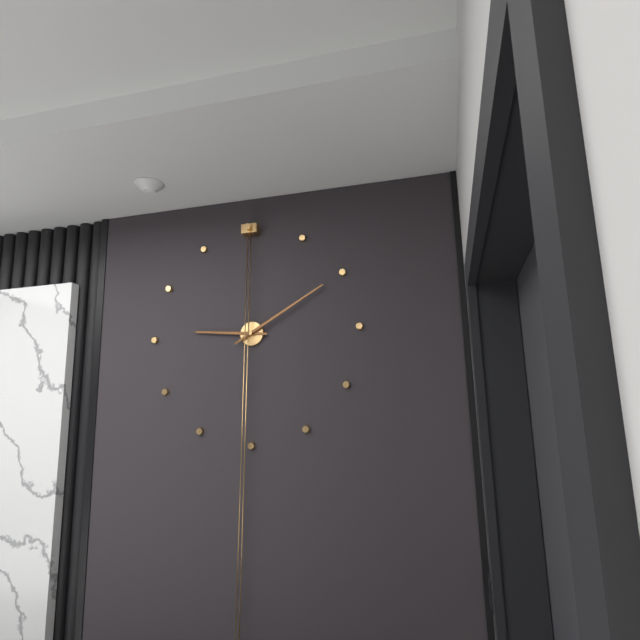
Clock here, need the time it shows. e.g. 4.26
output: 9.10
